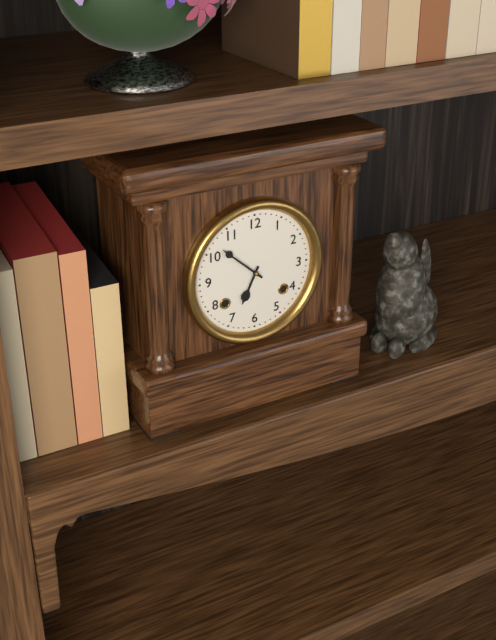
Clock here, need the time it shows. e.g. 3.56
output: 6.52
